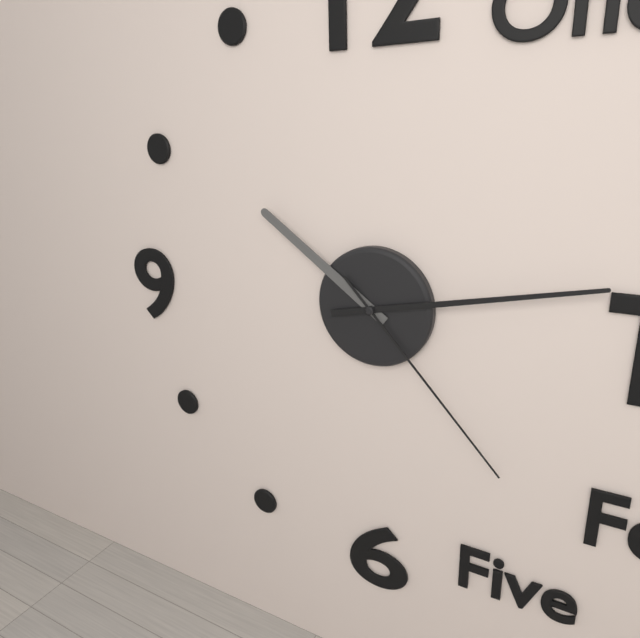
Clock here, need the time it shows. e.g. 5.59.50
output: 10.13.23
